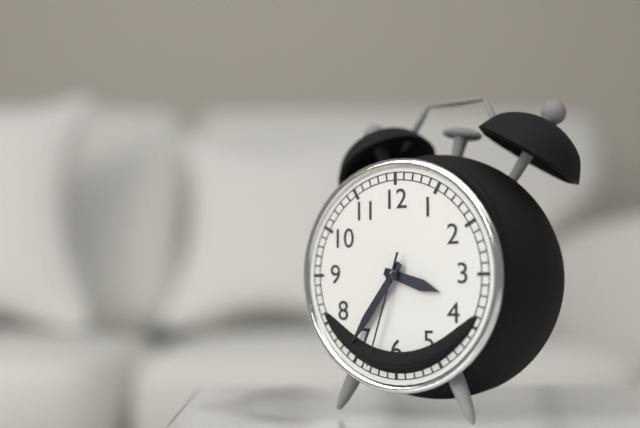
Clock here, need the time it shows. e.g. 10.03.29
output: 3.36.33
